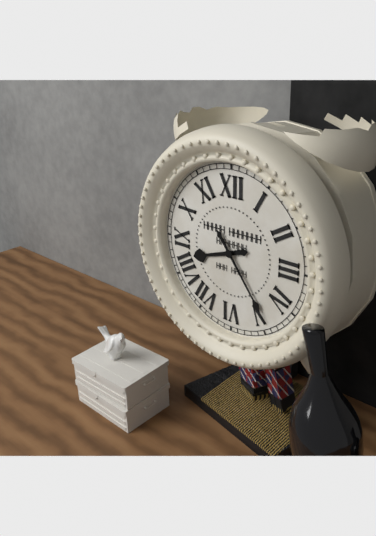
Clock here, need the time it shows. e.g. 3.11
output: 8.24
